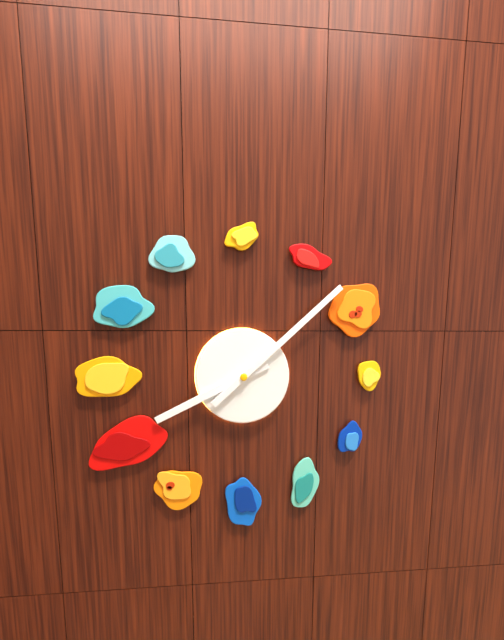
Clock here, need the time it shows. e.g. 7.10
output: 8.08
